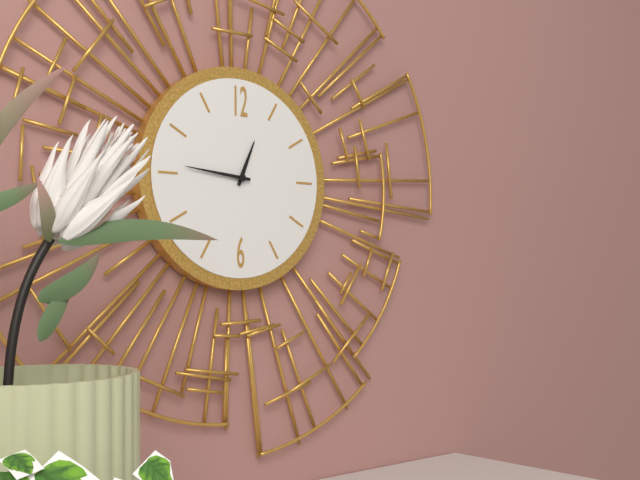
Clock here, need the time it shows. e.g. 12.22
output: 12.46
